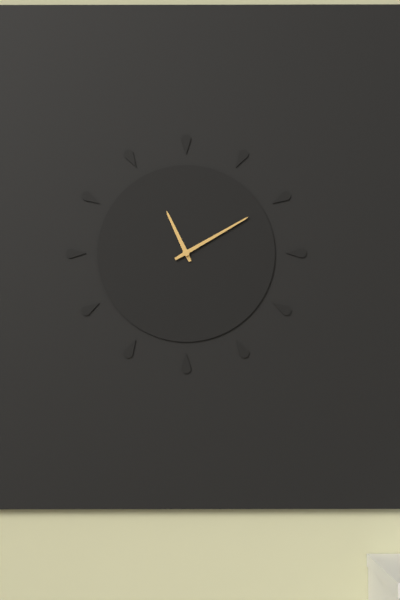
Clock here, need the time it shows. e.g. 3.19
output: 11.10
